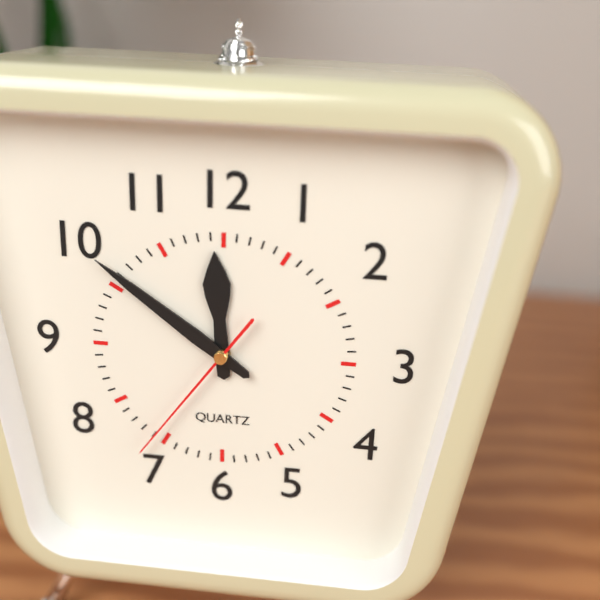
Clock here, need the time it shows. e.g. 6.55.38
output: 11.51.36
